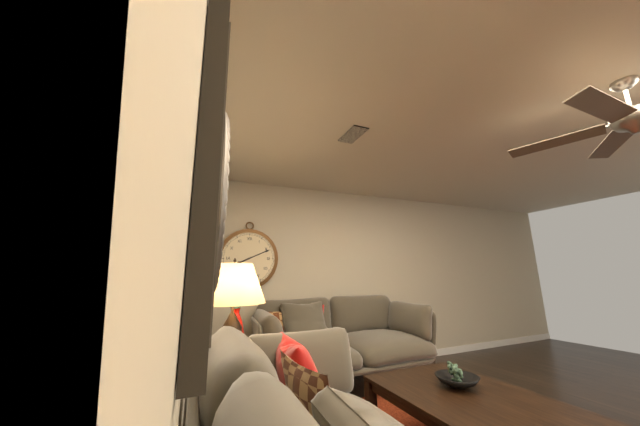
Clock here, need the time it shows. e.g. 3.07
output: 8.11
